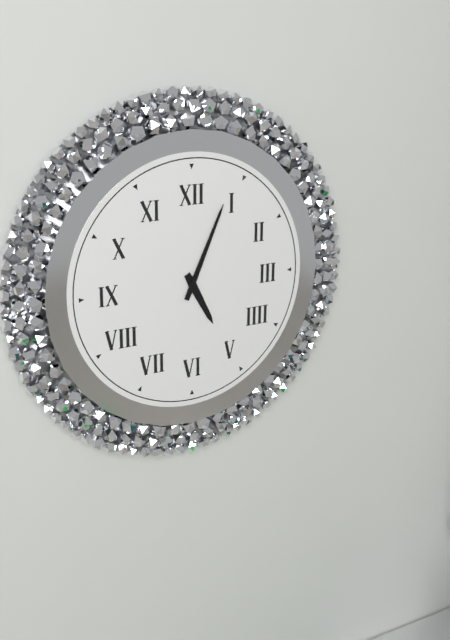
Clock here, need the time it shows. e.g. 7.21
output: 5.04
